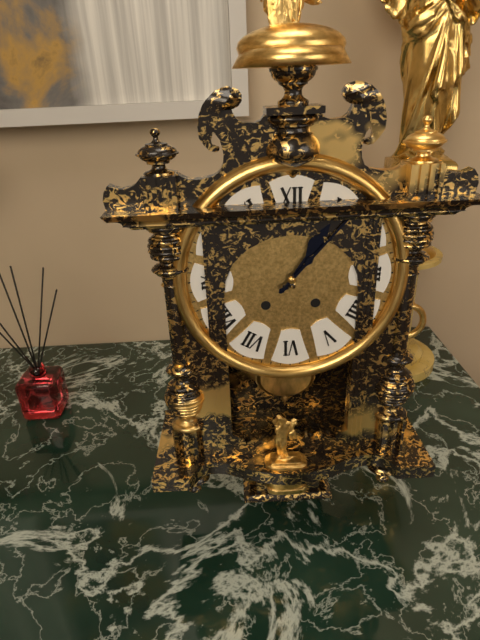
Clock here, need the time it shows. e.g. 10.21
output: 1.07
